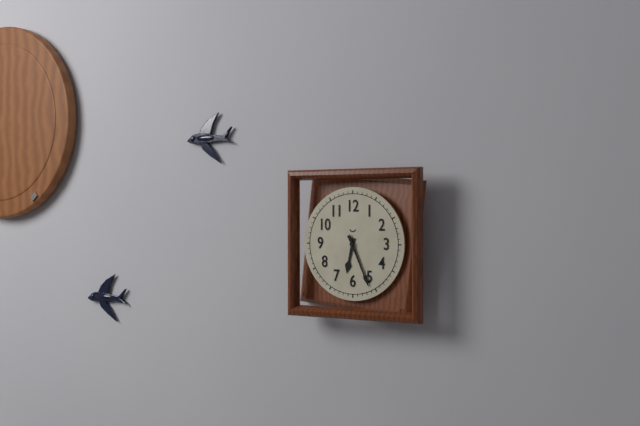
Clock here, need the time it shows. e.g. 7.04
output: 6.26
